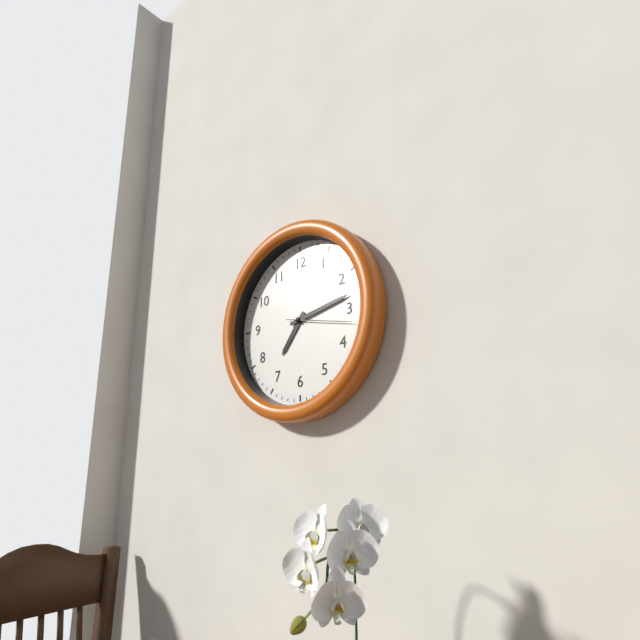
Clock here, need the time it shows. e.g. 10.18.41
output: 7.13.17
